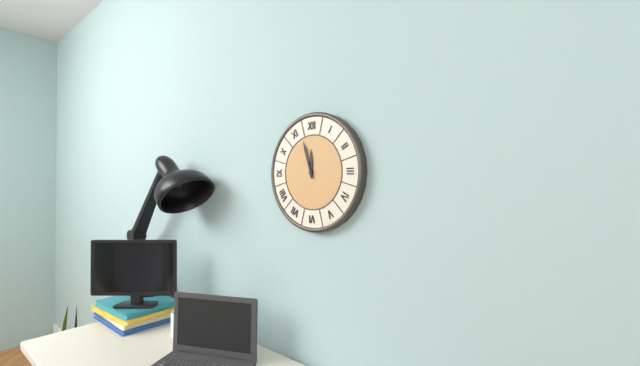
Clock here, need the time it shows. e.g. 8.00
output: 11.57
